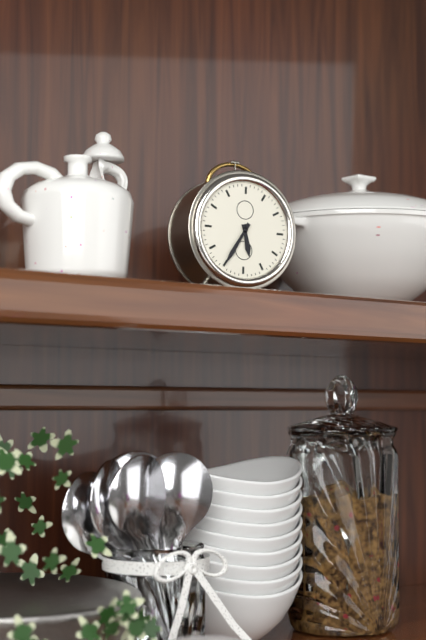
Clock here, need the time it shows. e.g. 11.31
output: 5.35
